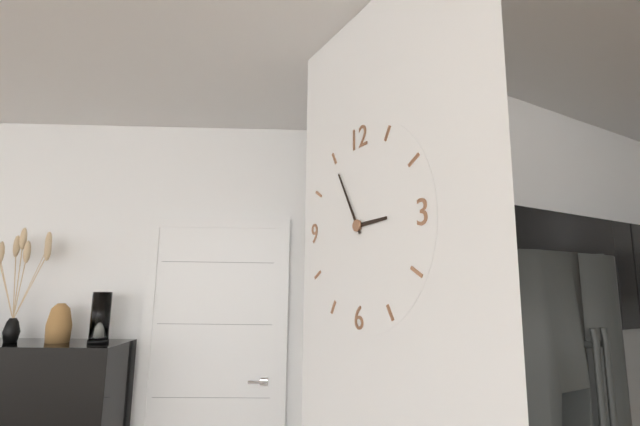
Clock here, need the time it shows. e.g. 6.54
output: 2.55
